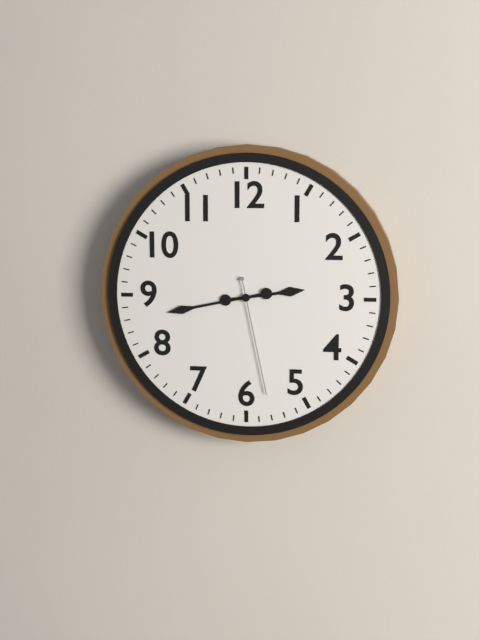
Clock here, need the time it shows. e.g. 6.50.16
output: 2.43.28
